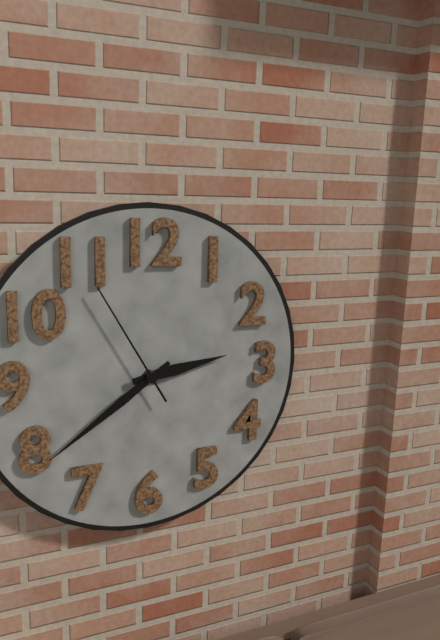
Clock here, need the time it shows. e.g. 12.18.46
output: 2.39.55
